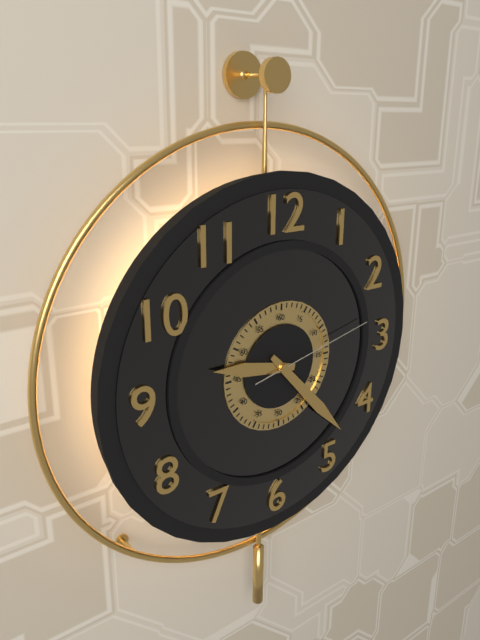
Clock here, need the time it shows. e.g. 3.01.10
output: 9.23.13
